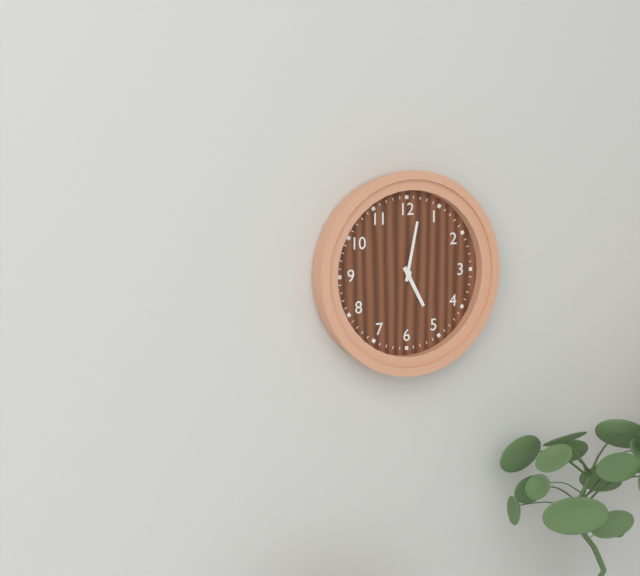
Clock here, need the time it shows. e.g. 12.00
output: 5.02
